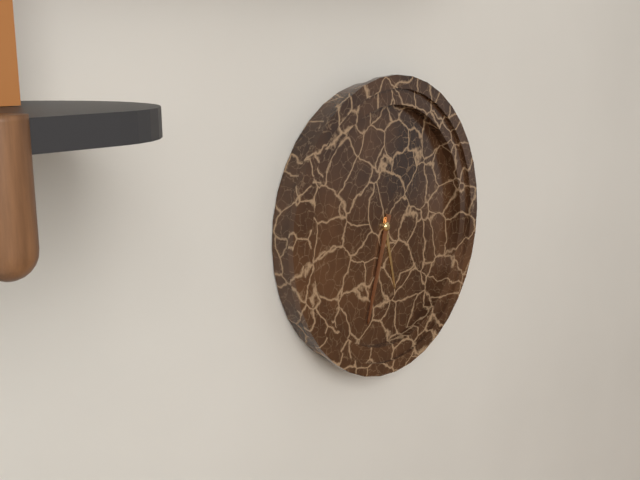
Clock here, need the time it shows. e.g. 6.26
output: 5.33
